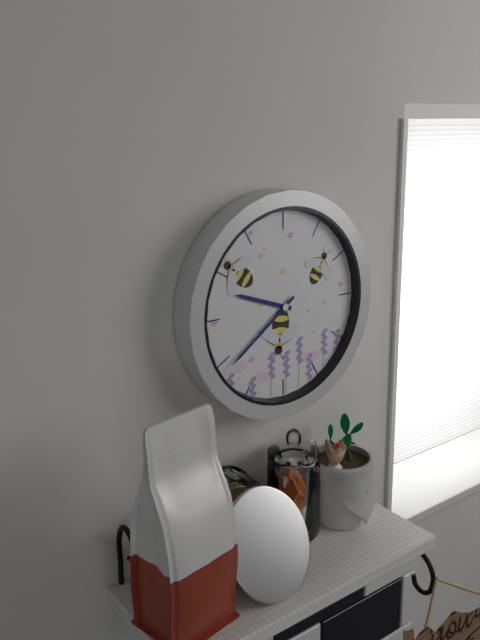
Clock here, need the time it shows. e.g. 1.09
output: 9.39
